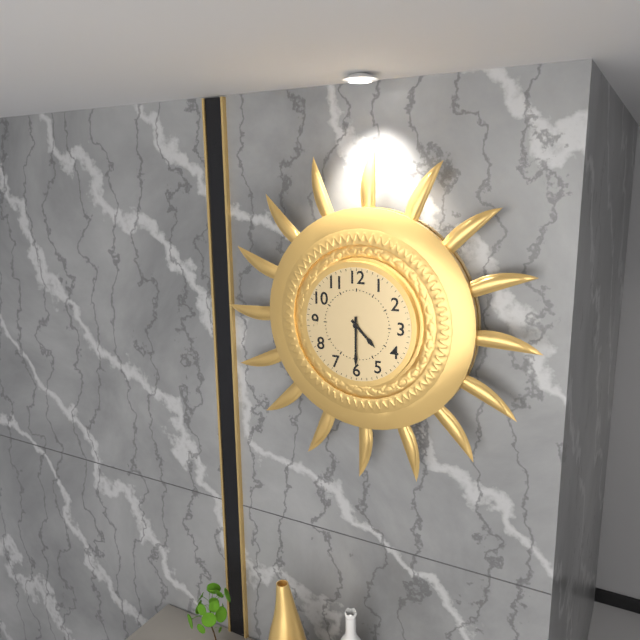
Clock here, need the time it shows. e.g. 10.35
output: 4.30
